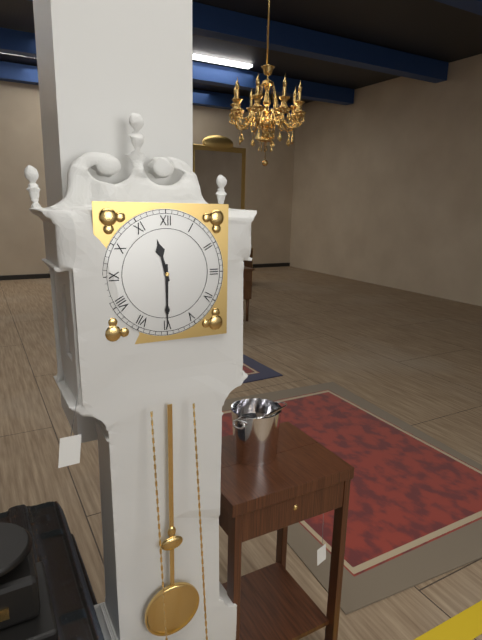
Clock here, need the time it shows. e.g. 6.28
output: 11.30
